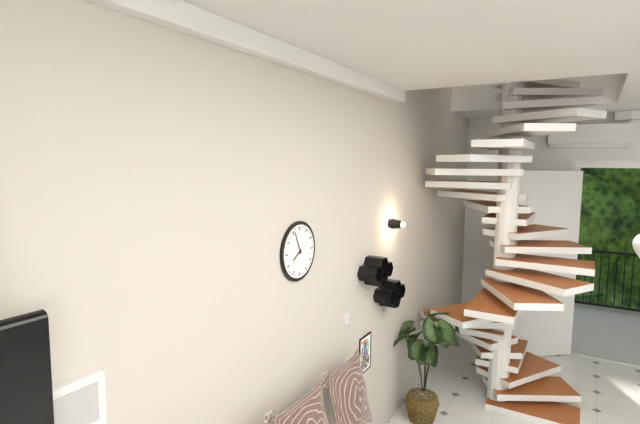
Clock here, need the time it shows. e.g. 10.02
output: 7.56
